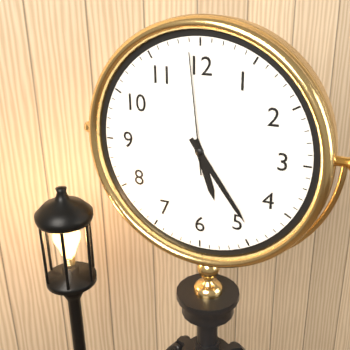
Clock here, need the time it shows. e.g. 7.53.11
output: 5.24.59
